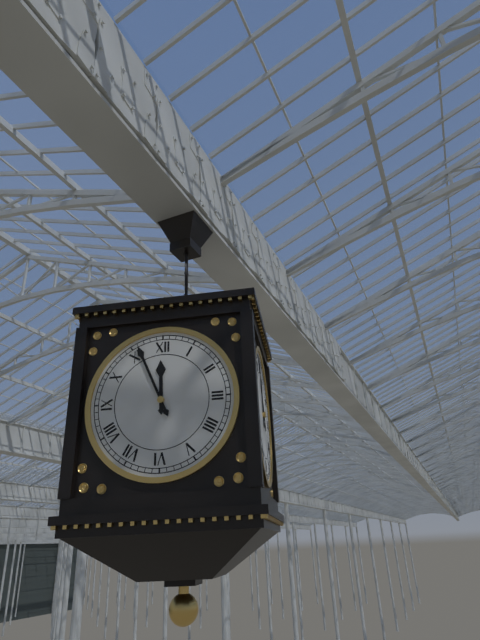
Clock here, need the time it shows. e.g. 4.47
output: 11.56
